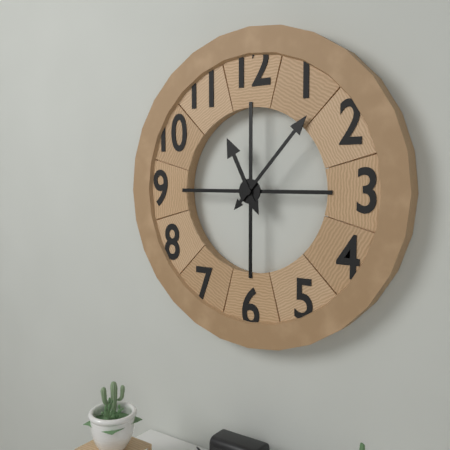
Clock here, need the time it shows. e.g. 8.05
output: 11.07
